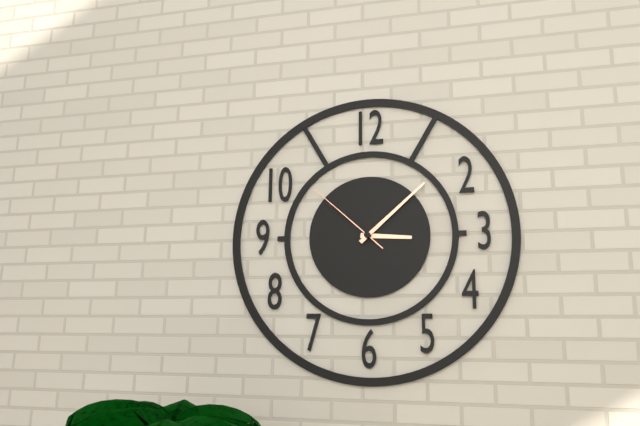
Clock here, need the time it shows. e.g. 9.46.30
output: 3.08.52
